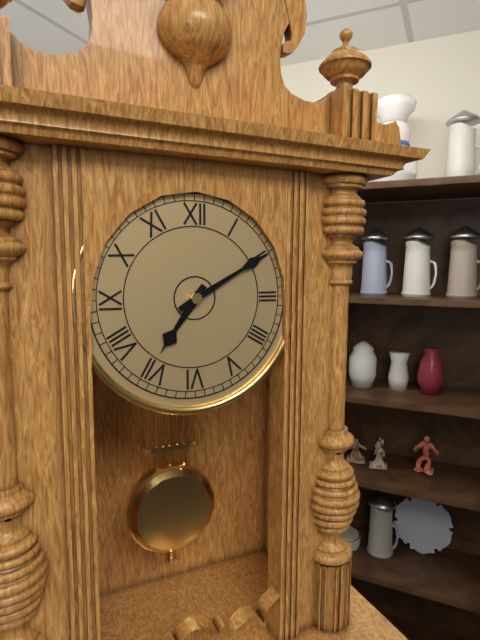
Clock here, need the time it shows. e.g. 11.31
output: 7.10
